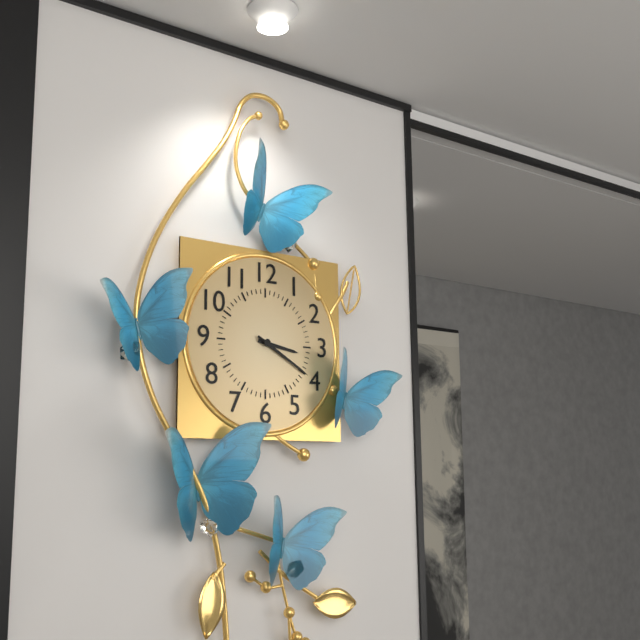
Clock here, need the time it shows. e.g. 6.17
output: 3.20
